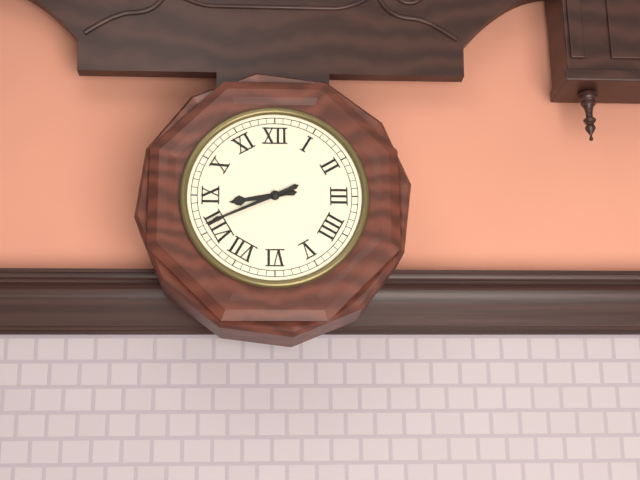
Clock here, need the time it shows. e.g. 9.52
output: 8.41
